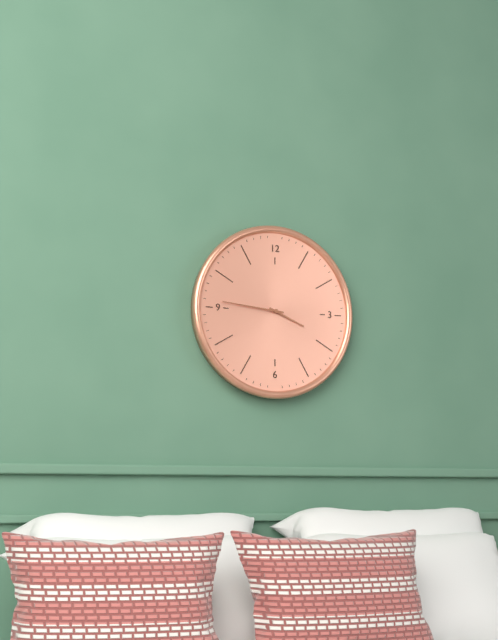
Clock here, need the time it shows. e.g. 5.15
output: 3.46
